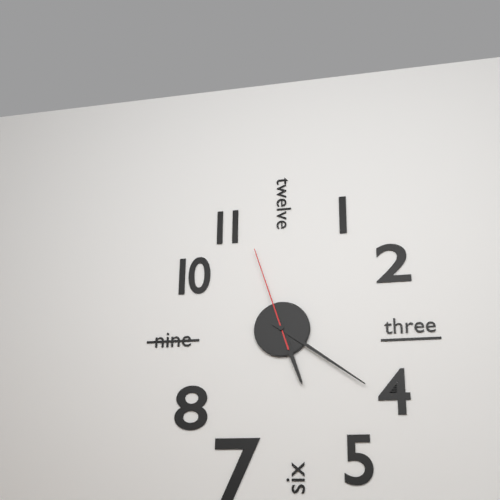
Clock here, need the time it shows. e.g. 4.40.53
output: 5.21.57
